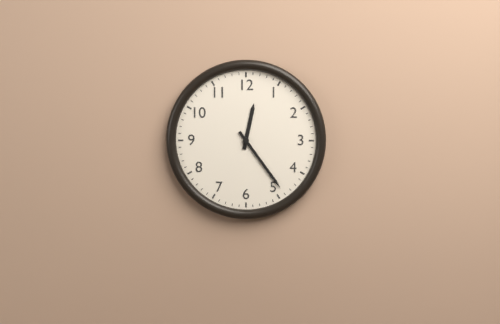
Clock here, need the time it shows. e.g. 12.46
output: 12.24
